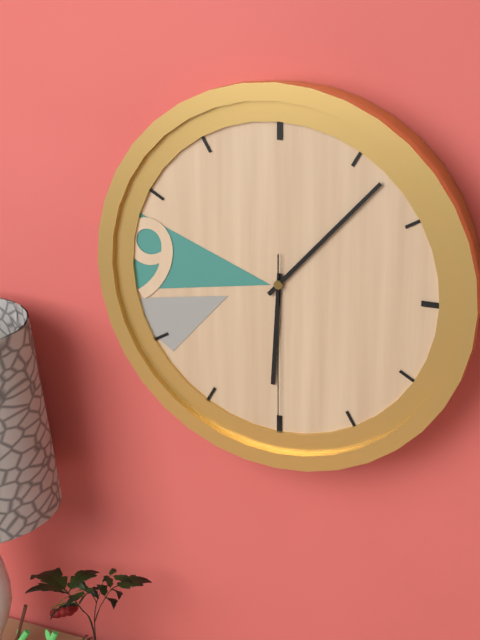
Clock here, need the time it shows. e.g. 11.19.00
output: 6.07.30
